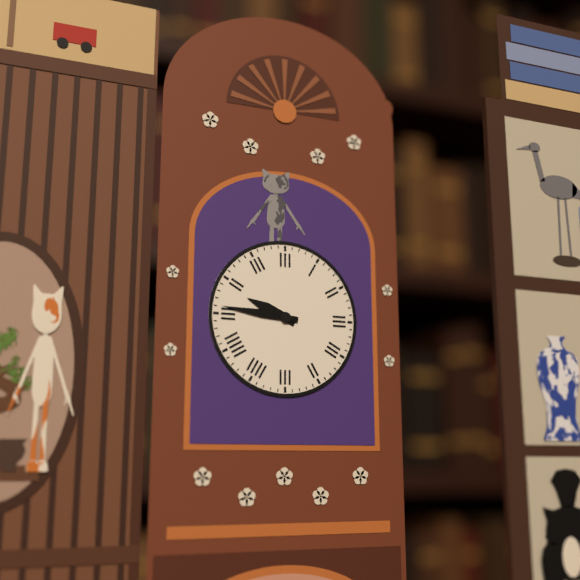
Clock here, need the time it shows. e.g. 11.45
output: 9.46
